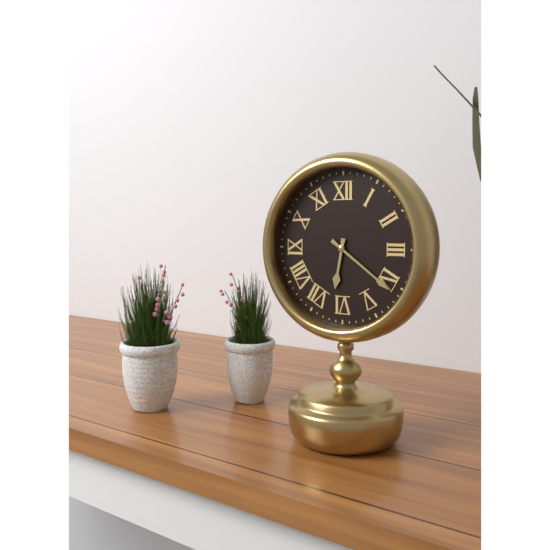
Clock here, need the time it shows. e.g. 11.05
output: 6.21
